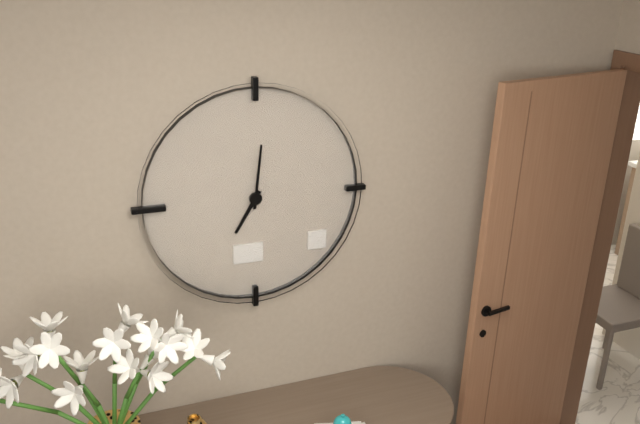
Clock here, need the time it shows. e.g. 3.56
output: 7.01
